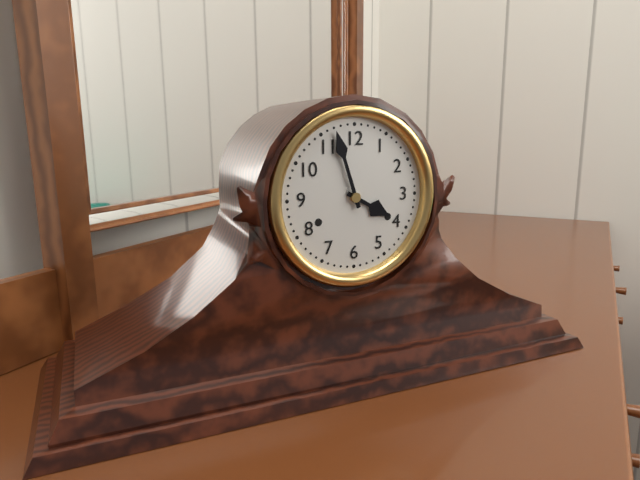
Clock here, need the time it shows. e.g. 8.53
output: 3.57
